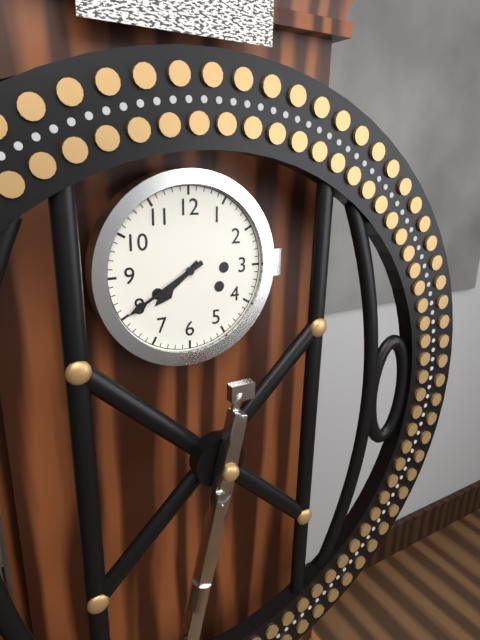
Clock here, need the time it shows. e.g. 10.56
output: 7.40
